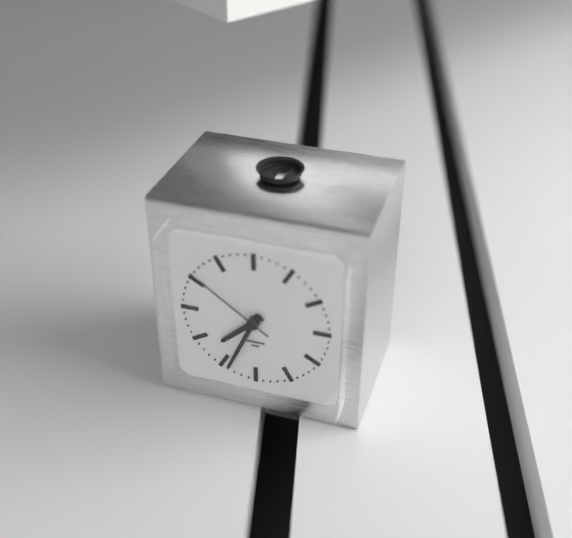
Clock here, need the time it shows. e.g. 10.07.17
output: 7.34.51
